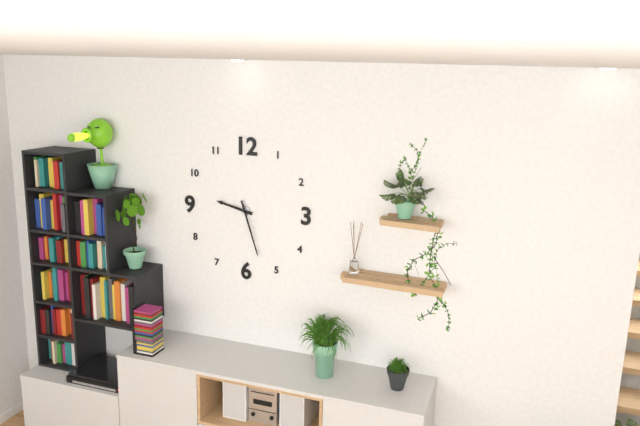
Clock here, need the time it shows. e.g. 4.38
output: 9.27
